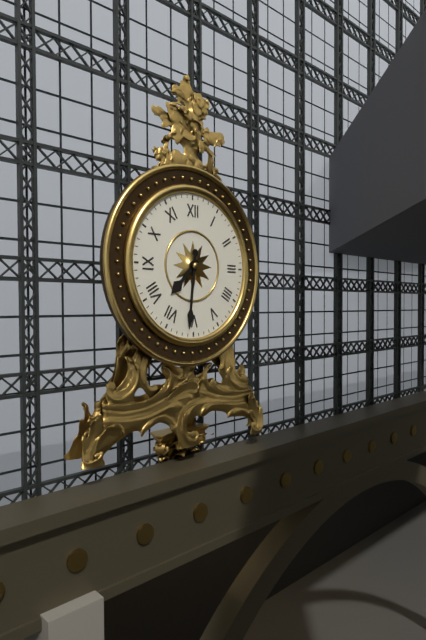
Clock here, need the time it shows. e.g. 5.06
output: 7.31
